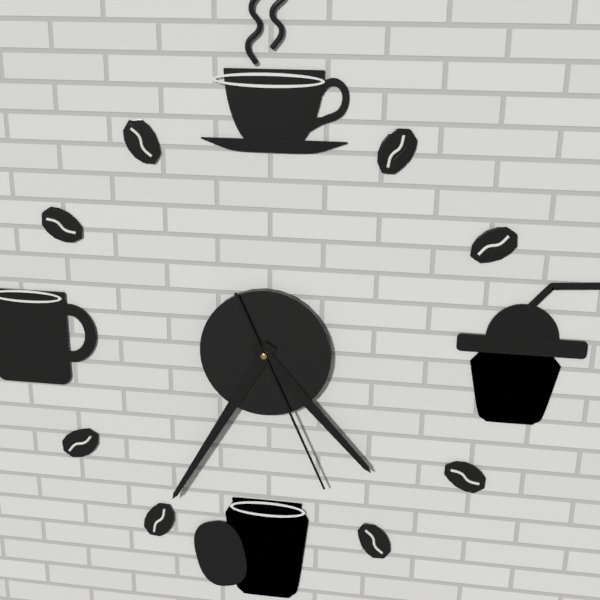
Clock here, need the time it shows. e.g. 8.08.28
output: 4.35.26
